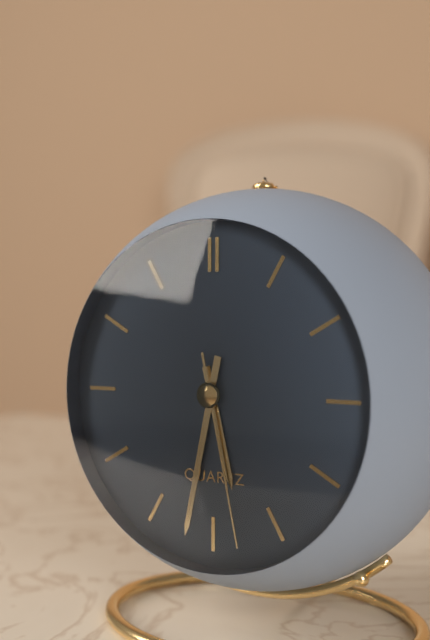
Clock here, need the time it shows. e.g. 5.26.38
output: 5.32.28
